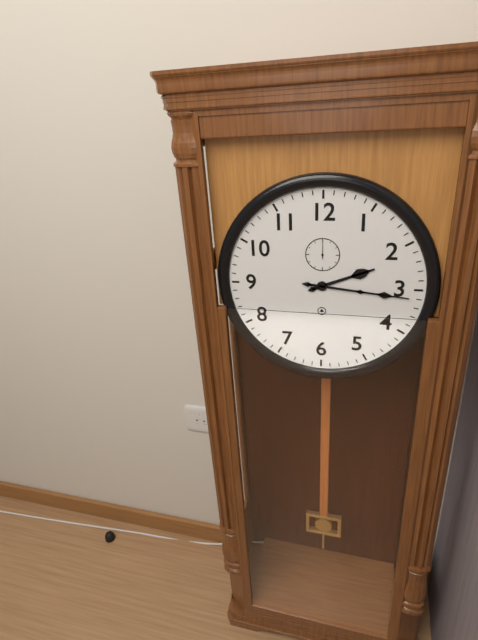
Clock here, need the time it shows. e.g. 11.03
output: 2.16
